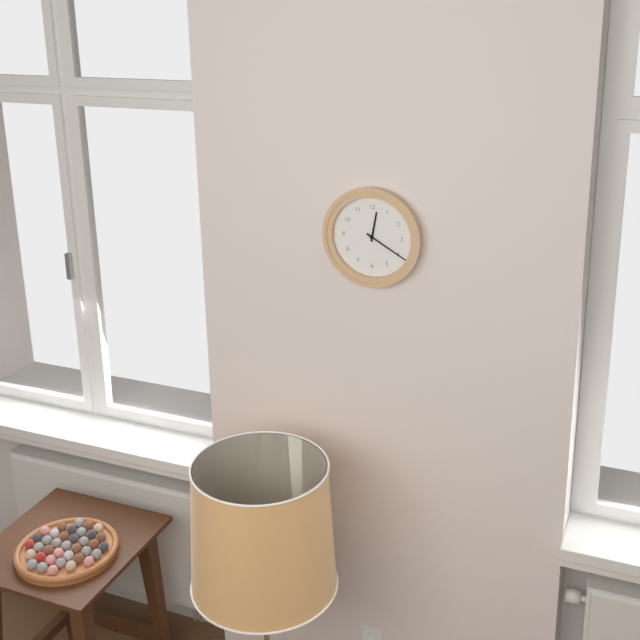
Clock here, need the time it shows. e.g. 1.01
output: 12.20
